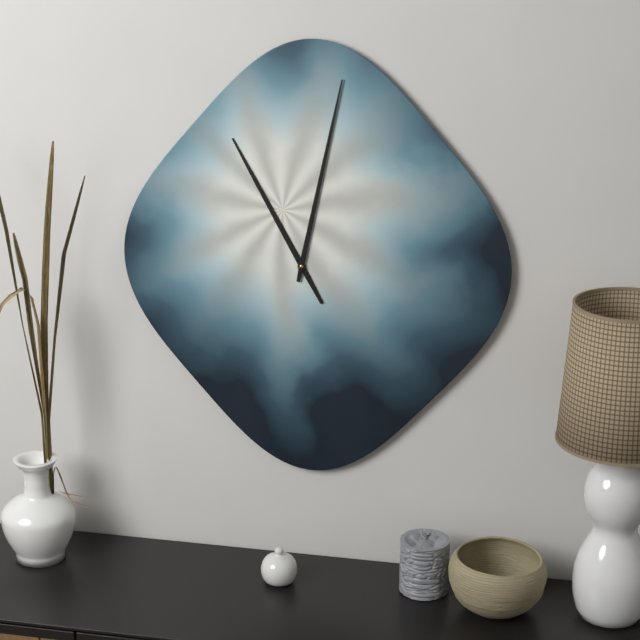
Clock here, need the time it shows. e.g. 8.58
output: 11.02
